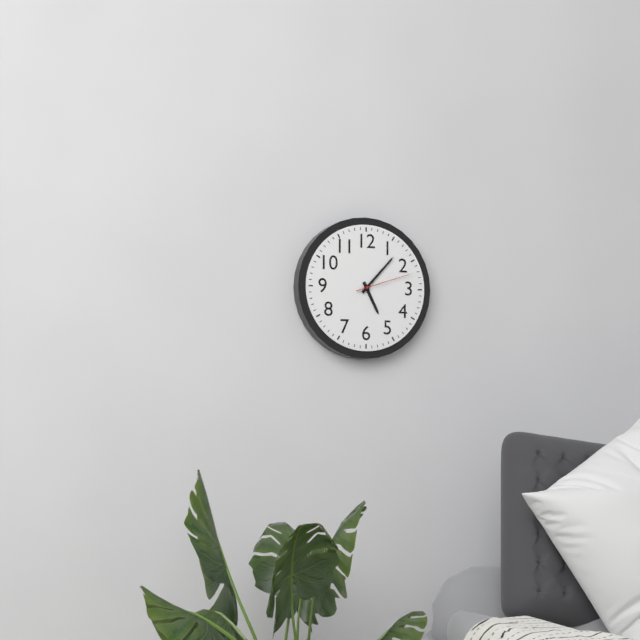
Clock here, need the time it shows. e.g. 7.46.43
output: 5.07.12
